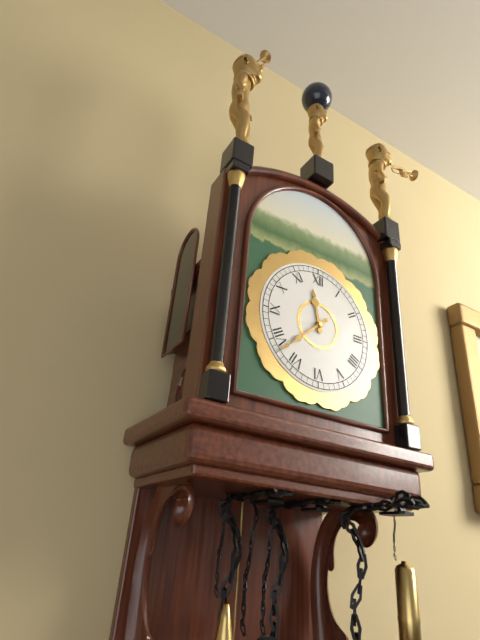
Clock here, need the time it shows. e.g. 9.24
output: 11.38
